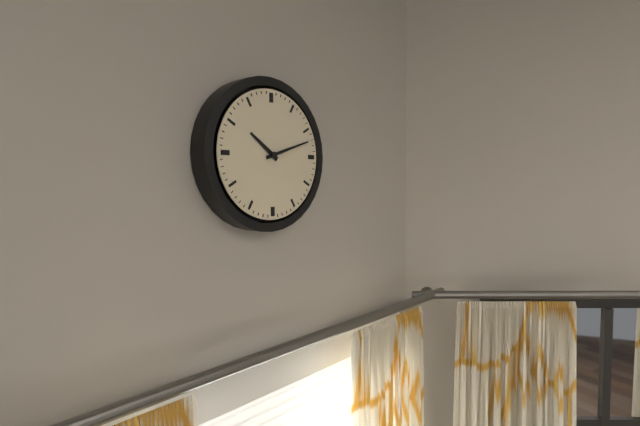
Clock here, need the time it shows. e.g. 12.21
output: 10.12
